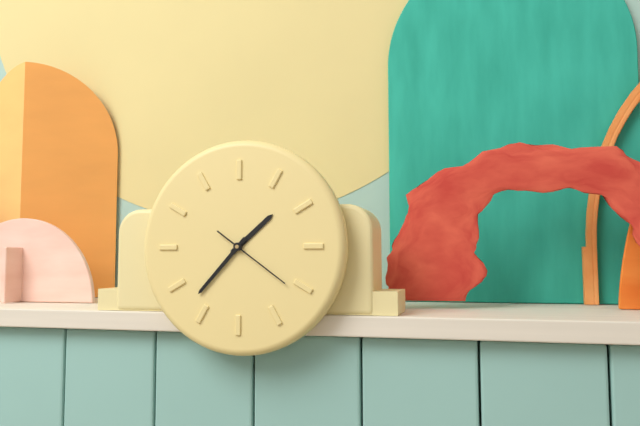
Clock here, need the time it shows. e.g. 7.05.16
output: 1.37.21
